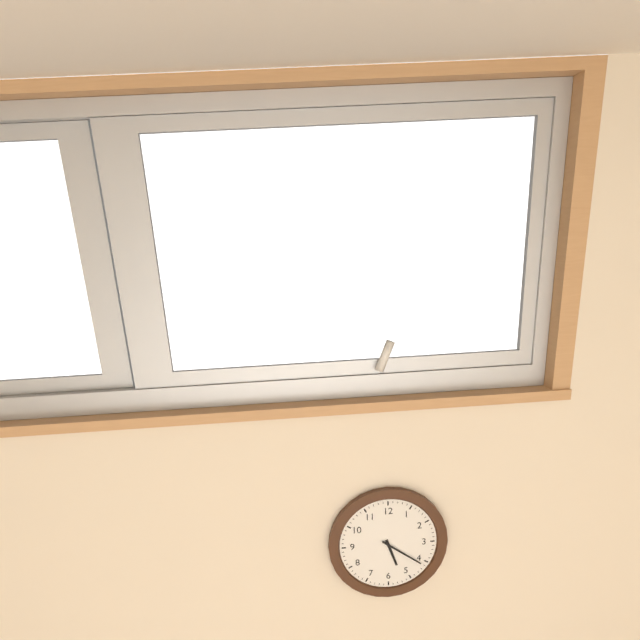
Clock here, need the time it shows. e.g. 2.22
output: 5.21
